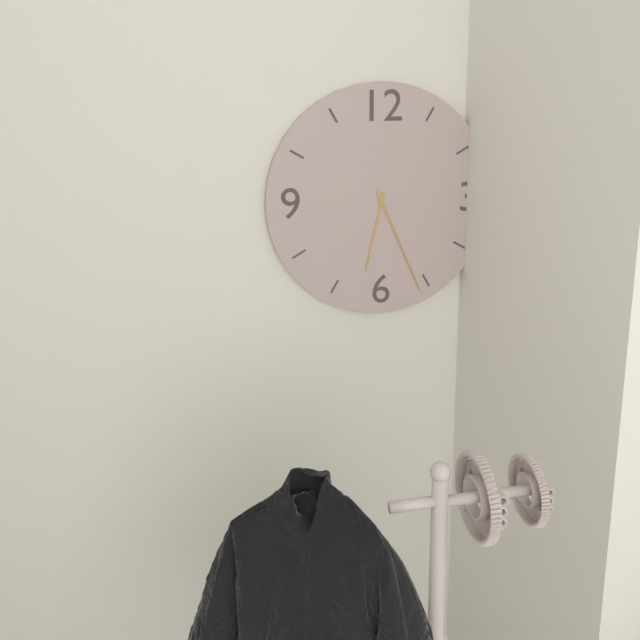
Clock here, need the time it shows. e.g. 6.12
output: 6.26
